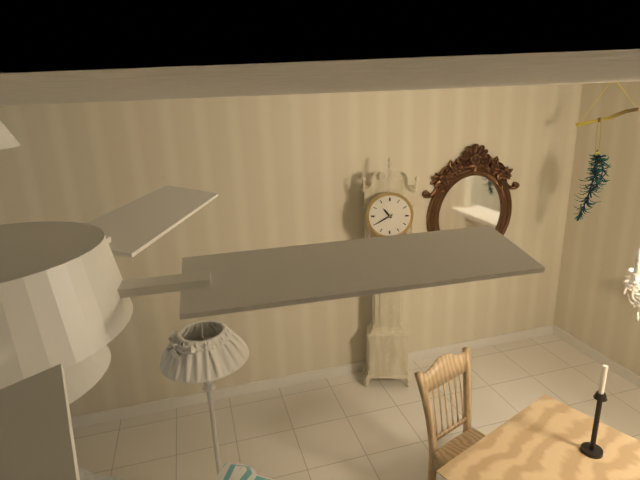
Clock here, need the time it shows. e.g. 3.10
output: 10.40
